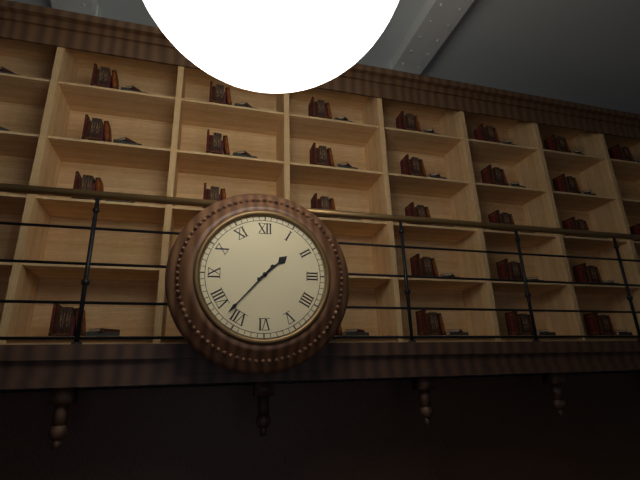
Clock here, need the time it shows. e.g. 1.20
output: 1.37
